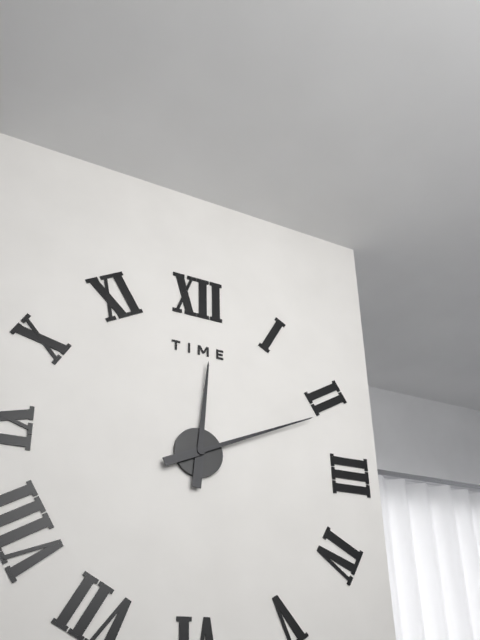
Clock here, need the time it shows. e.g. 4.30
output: 12.11
